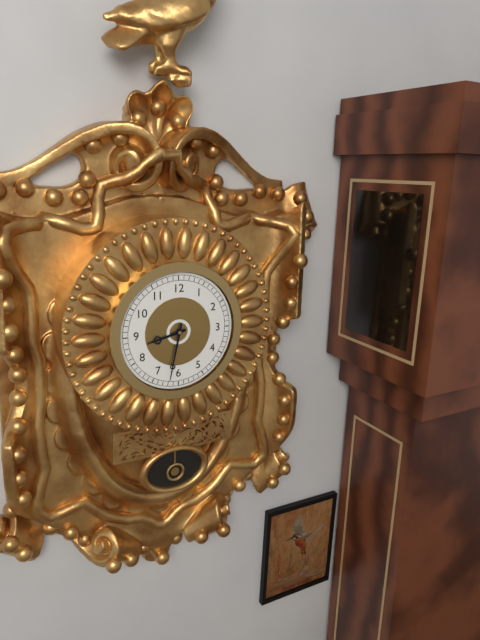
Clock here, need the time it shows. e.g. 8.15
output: 8.32
